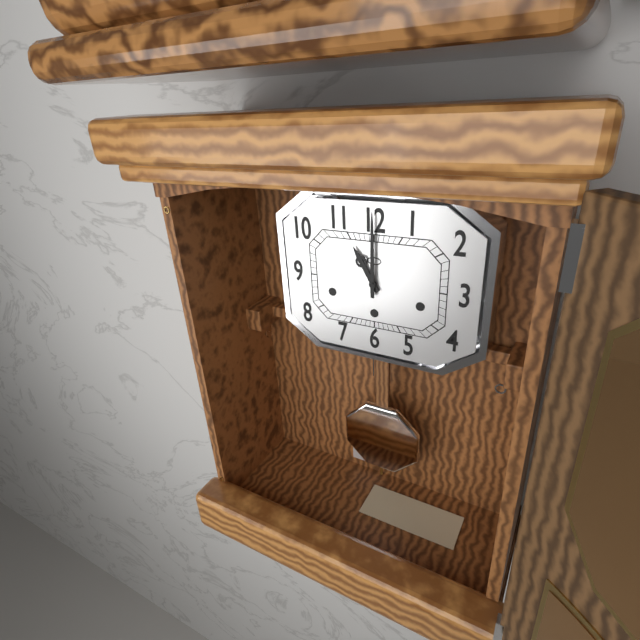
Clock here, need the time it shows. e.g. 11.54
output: 11.00
